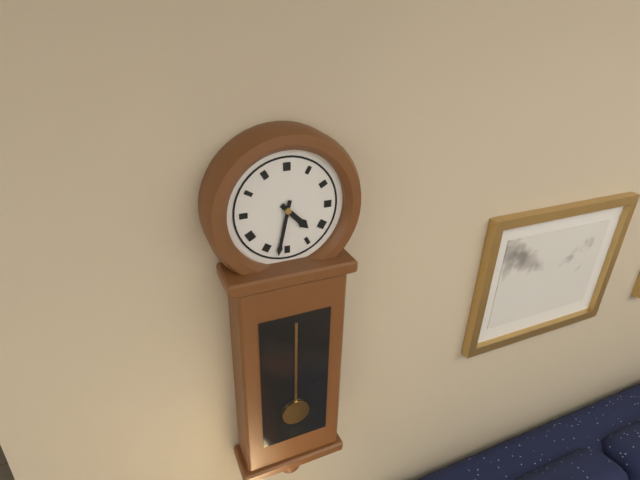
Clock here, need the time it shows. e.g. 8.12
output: 4.32
